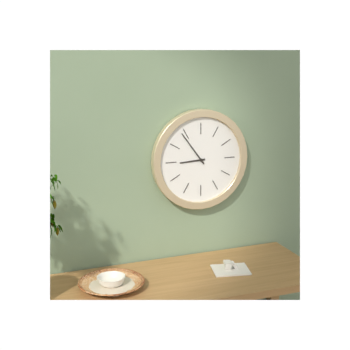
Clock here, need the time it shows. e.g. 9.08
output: 8.54
